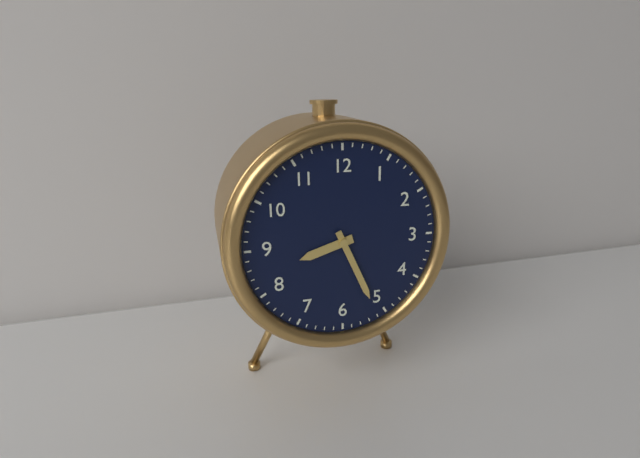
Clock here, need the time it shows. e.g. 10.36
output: 8.26
